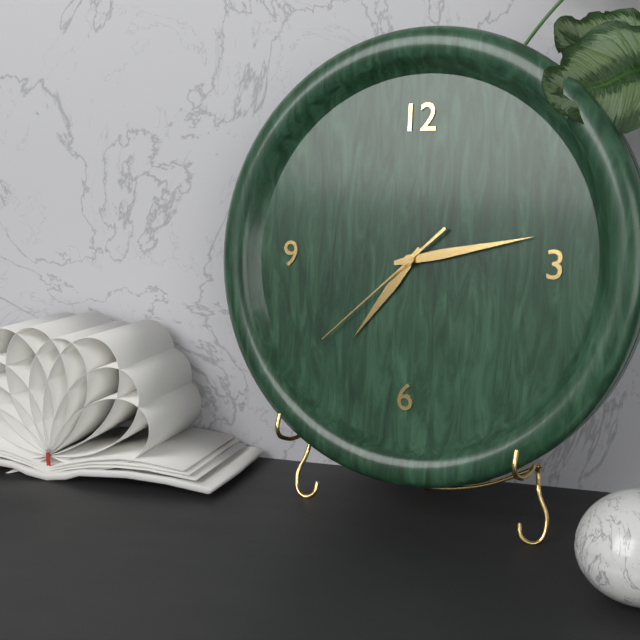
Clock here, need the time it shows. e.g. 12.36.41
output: 7.13.38
